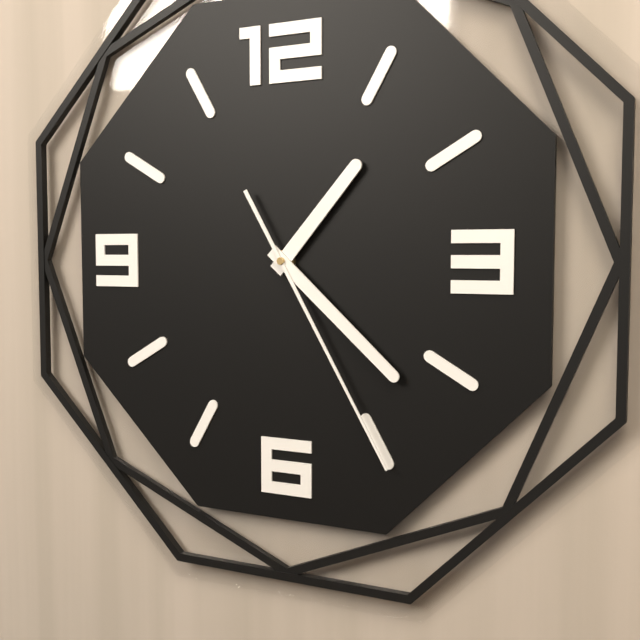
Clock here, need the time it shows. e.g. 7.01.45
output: 1.22.25
